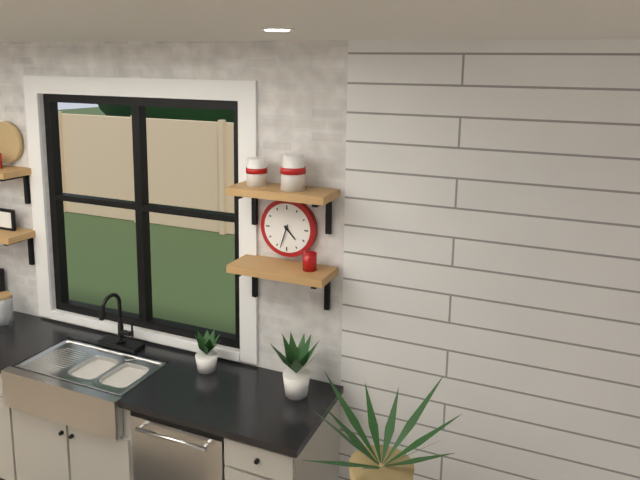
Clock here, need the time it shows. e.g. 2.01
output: 4.33
